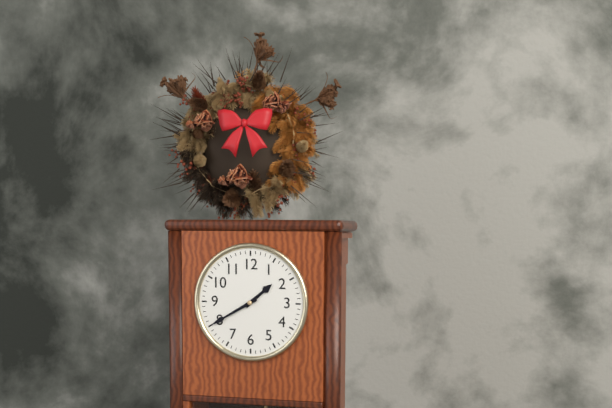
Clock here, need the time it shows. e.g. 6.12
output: 1.40
